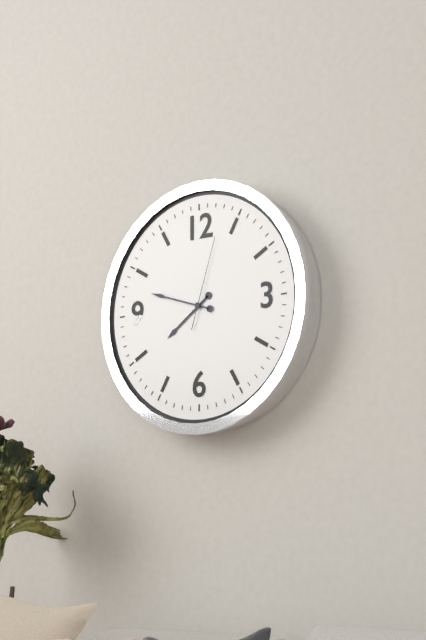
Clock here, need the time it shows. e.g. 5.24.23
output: 7.48.03
